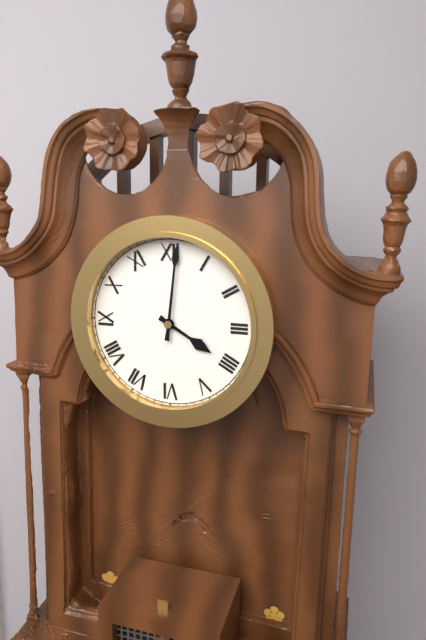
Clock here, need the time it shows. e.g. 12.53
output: 4.01
